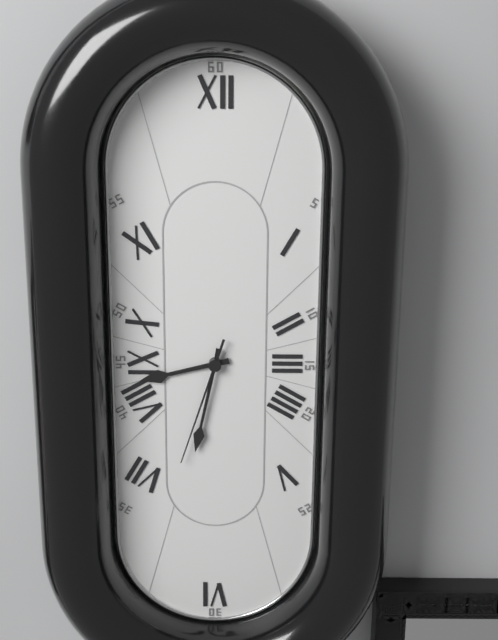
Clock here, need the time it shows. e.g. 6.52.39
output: 8.32.33
